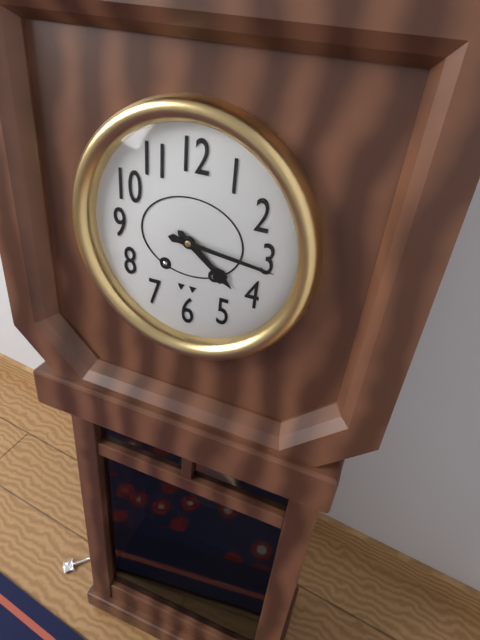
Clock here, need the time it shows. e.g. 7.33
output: 4.16
